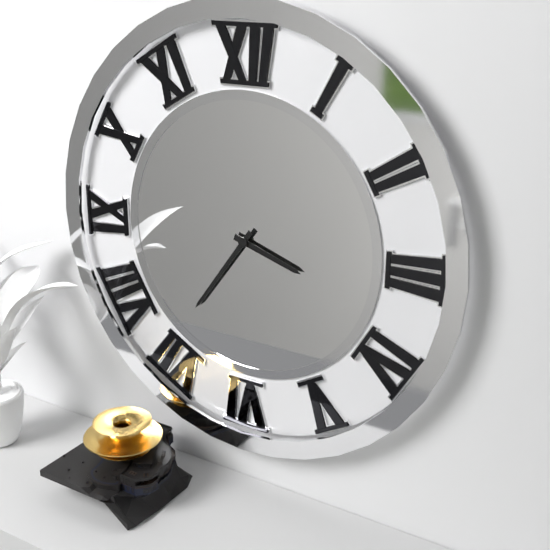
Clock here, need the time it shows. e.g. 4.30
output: 3.36
